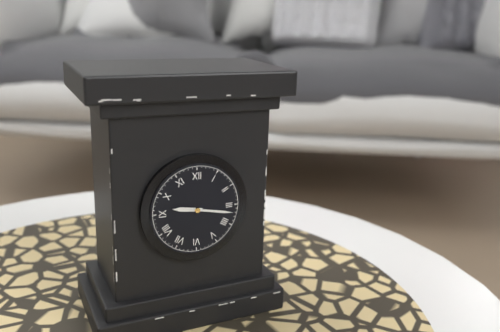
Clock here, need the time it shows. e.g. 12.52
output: 9.17
